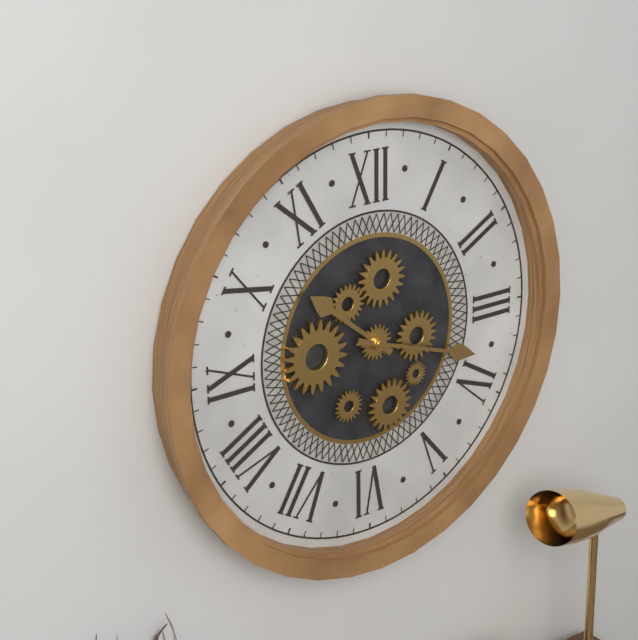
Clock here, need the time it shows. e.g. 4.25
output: 10.18
